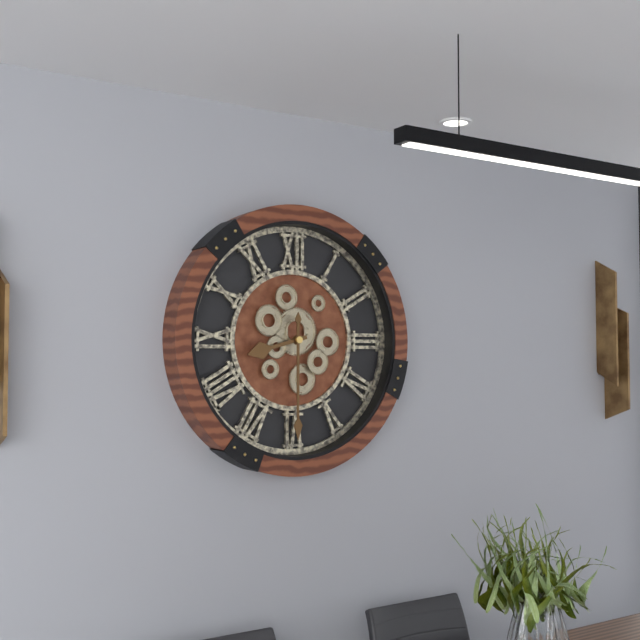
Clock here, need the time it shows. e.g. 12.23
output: 8.30
